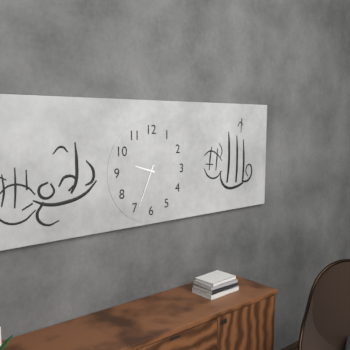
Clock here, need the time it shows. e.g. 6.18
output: 9.34
